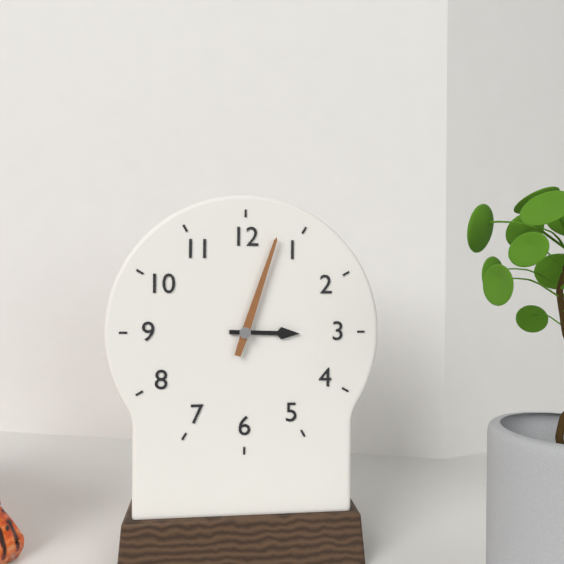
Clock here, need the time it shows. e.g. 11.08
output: 3.03
